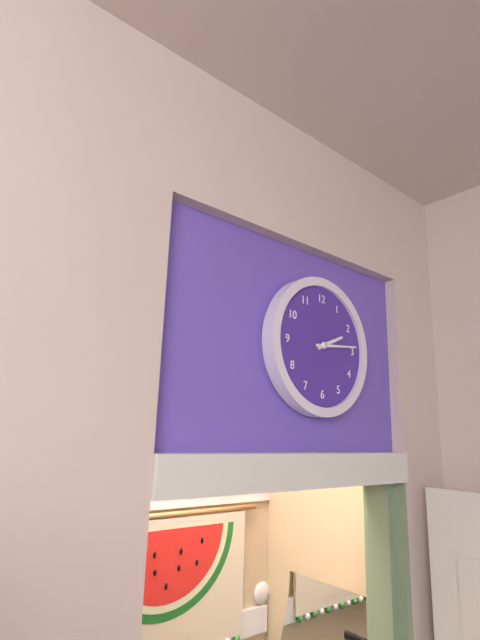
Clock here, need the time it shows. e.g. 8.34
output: 2.14
